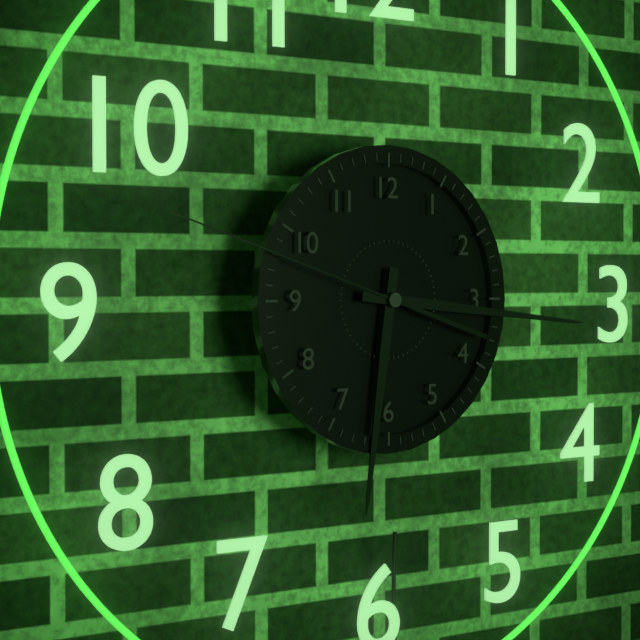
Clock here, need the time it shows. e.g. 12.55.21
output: 6.16.48
